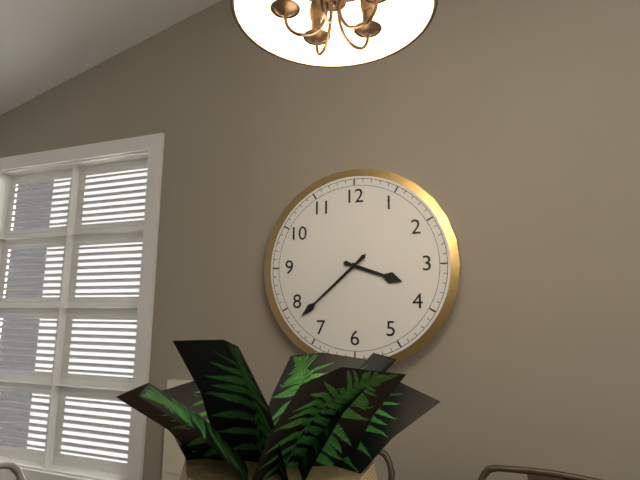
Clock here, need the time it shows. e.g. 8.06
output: 3.38
